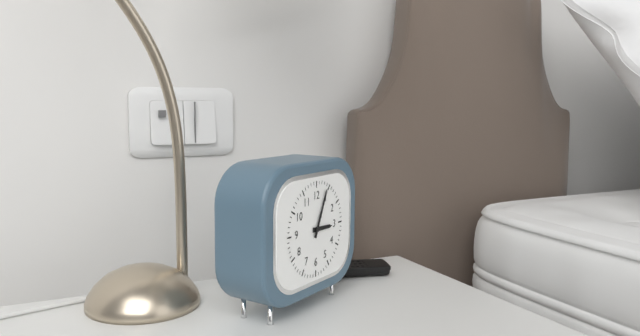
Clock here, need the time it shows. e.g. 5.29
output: 3.04
